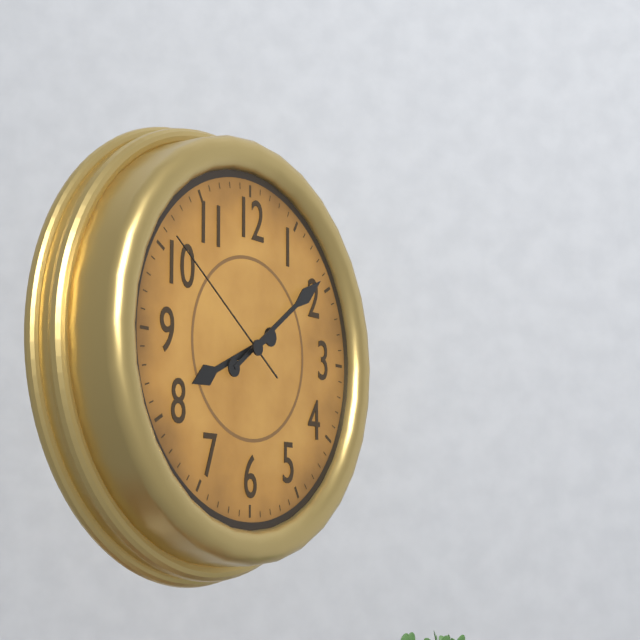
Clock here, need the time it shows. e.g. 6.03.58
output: 8.09.51
